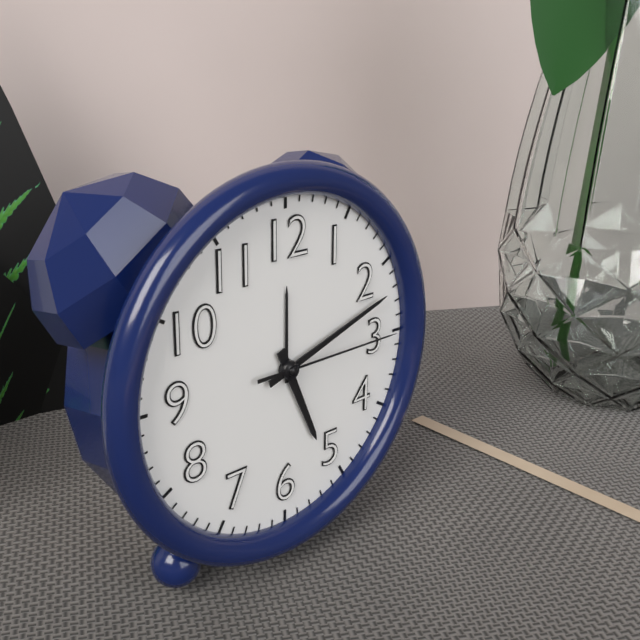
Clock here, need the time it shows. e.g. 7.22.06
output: 5.12.15
